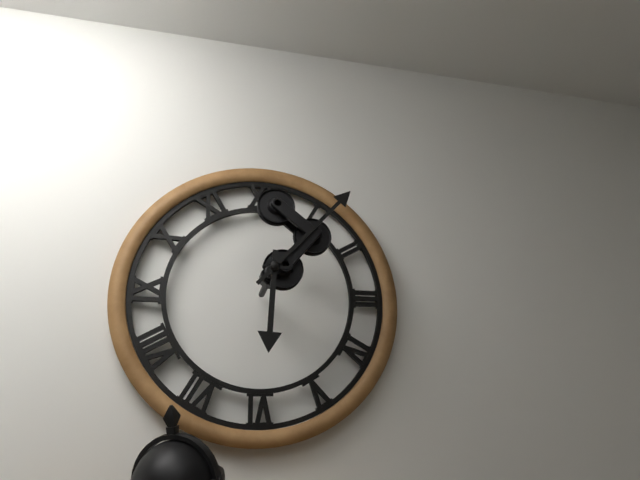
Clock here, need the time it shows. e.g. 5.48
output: 6.07
